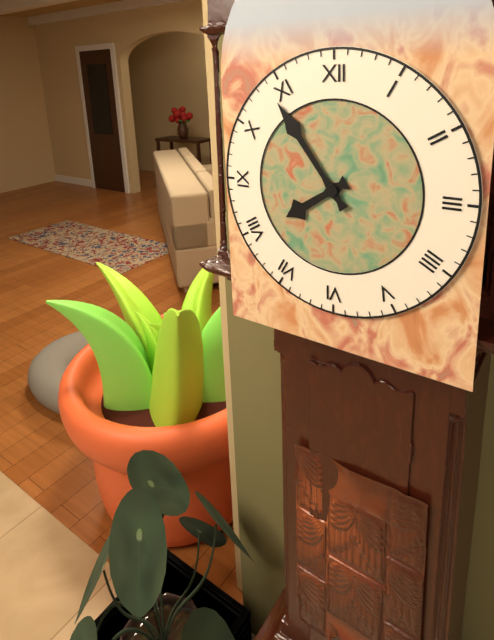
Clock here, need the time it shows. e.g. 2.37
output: 7.54
